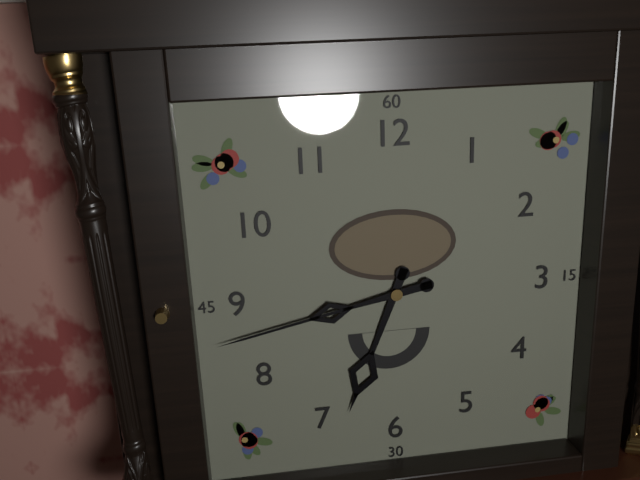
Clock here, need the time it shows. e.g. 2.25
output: 6.43
